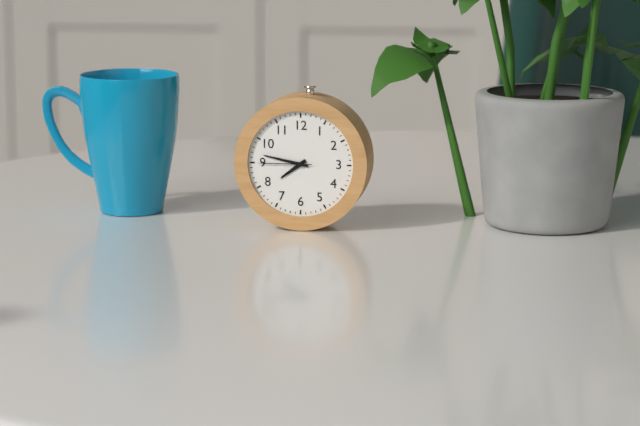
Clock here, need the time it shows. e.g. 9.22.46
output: 7.47.45
